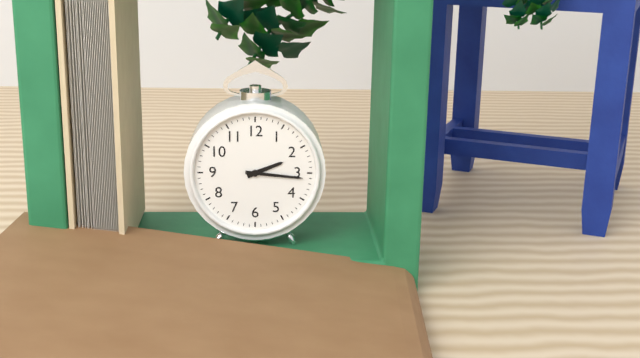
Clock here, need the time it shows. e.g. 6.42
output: 2.16
